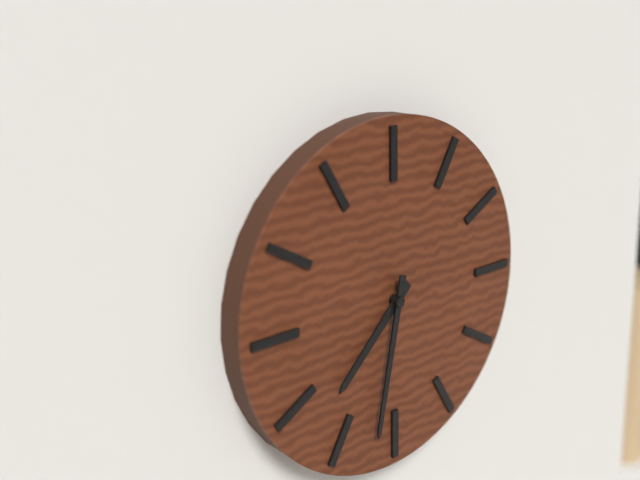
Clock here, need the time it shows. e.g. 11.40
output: 7.32
